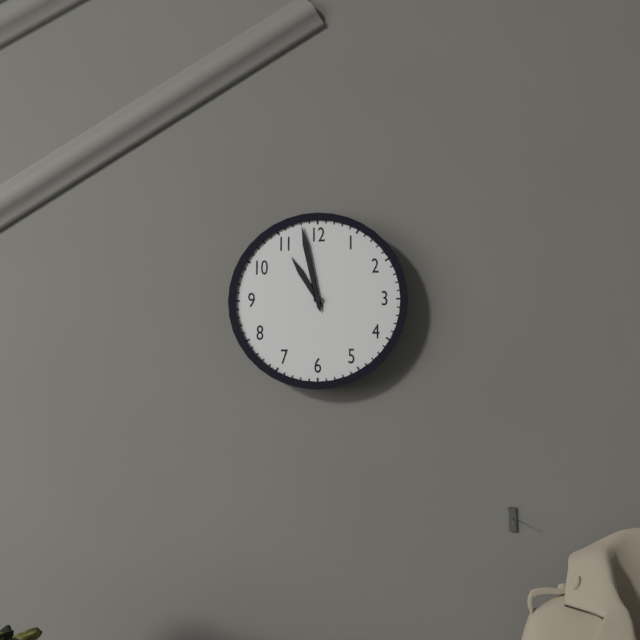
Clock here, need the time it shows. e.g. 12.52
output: 10.58
